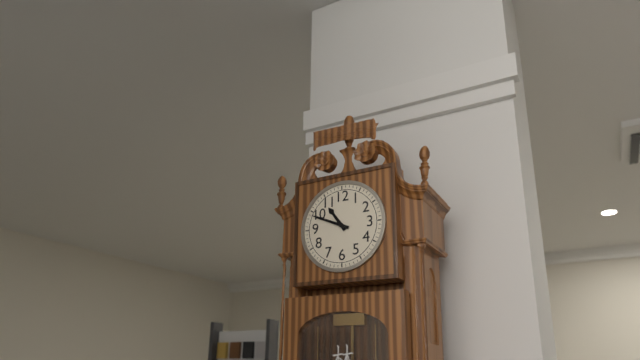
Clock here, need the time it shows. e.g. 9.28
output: 10.49
